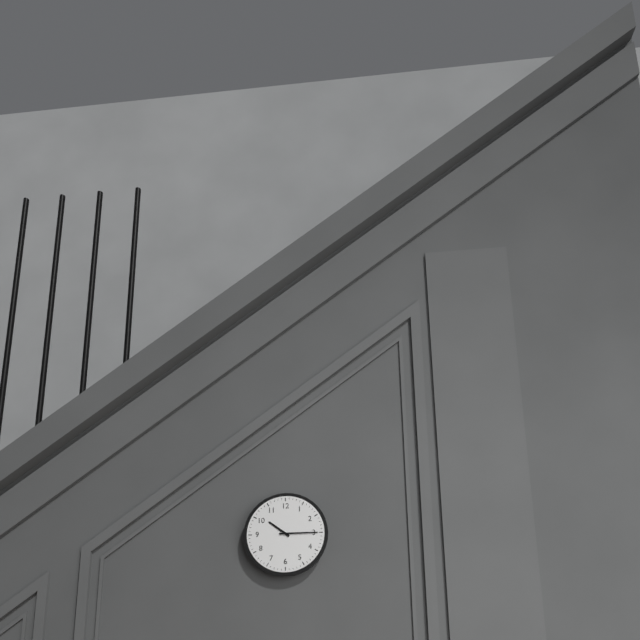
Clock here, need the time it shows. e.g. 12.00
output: 10.15
